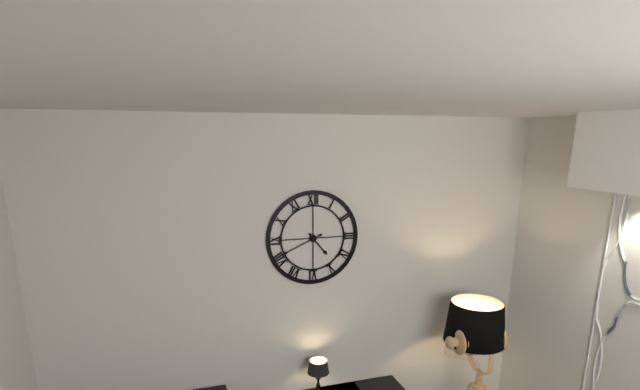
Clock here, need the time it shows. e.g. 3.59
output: 4.41
